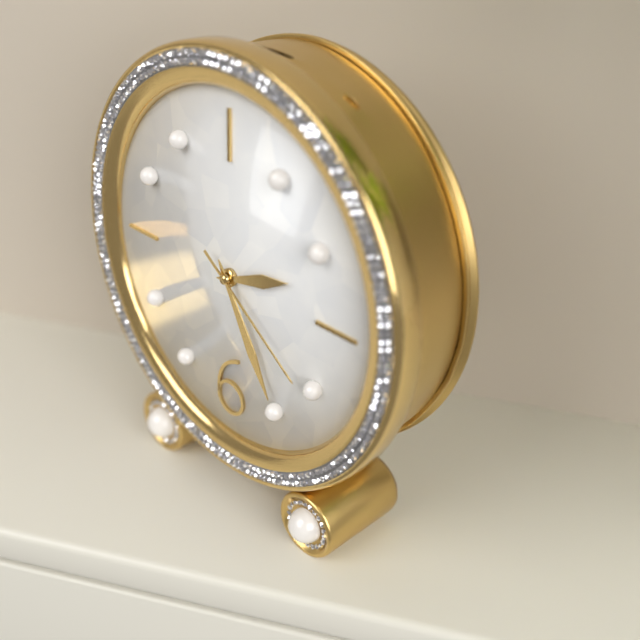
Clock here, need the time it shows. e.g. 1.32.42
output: 2.25.21
